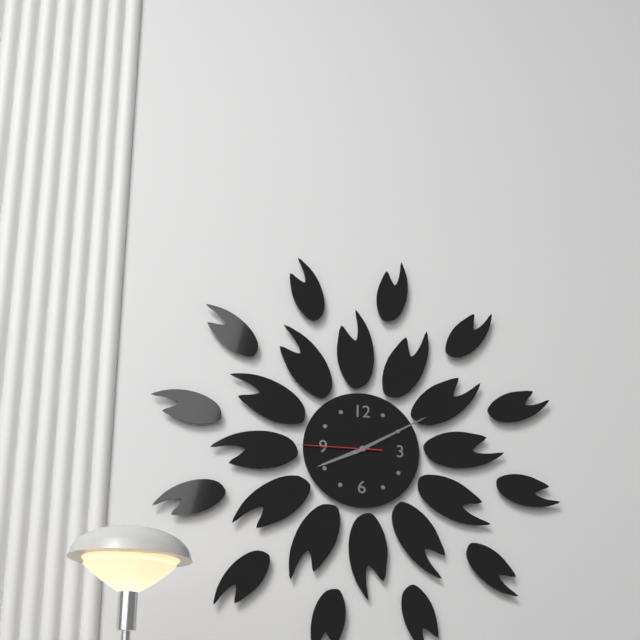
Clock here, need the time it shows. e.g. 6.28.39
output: 8.10.45
